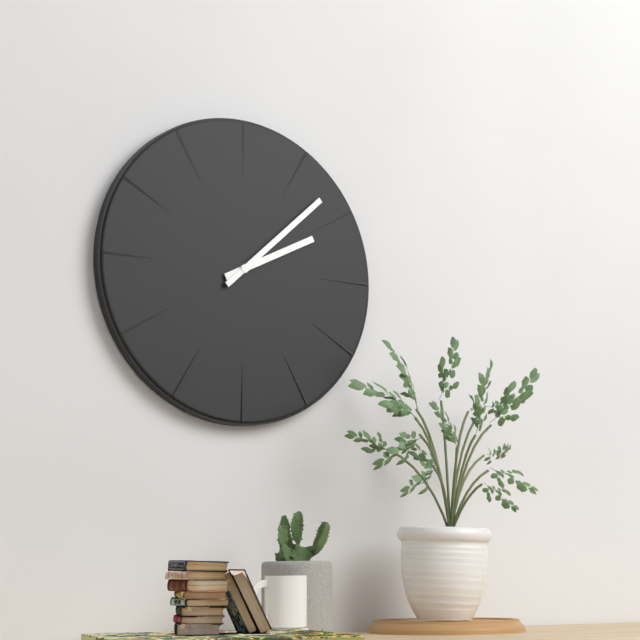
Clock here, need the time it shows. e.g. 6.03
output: 2.08
